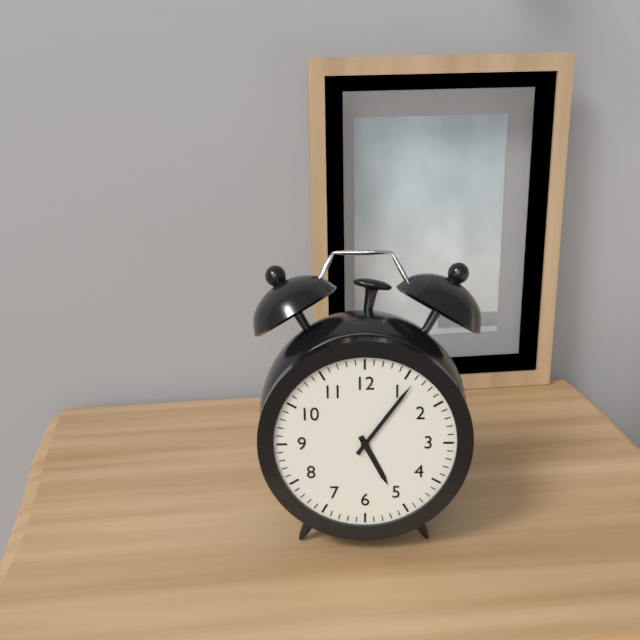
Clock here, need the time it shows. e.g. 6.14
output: 5.06
